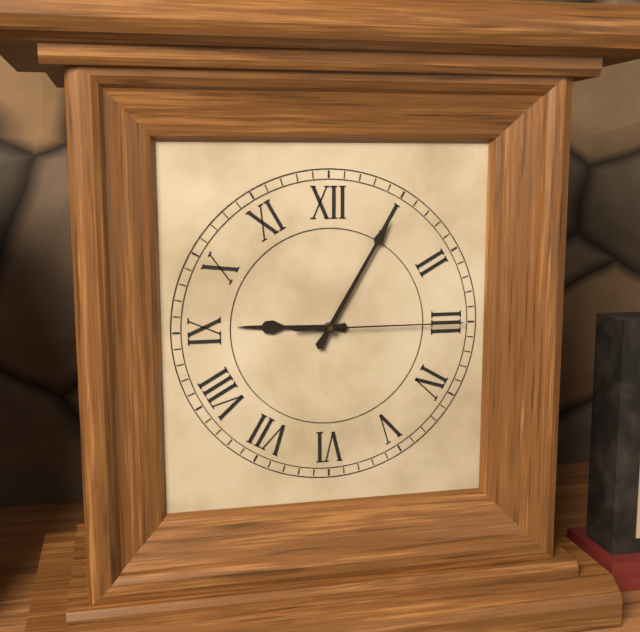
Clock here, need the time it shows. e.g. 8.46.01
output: 9.05.15
